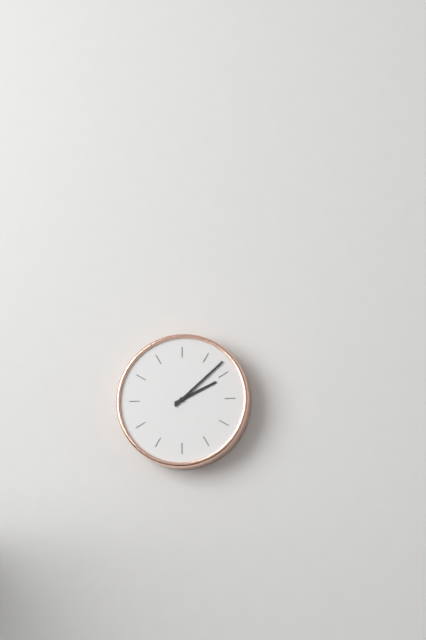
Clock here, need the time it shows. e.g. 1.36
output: 2.08
